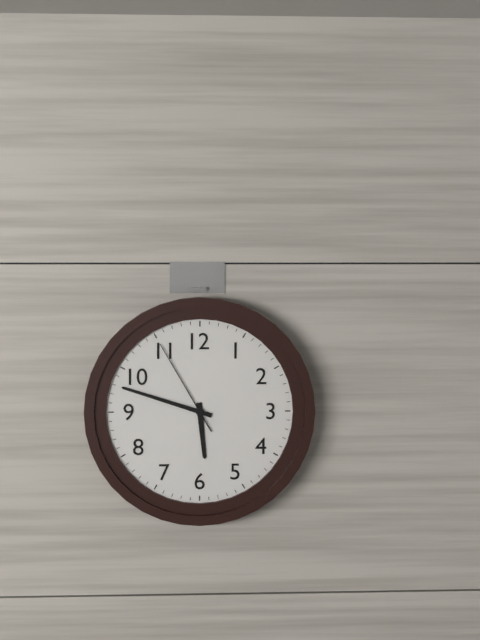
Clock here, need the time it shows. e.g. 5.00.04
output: 5.48.55
